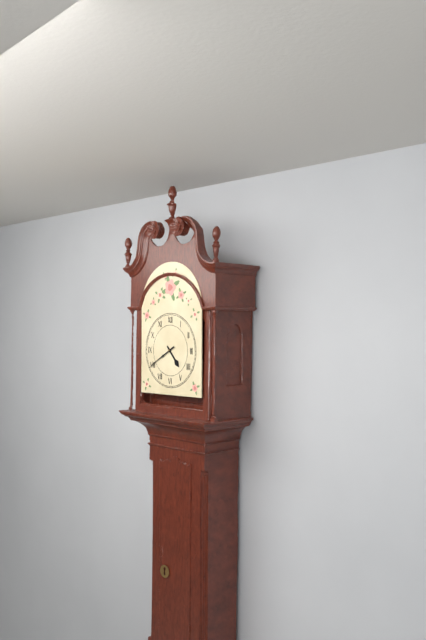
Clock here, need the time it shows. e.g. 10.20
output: 4.40
